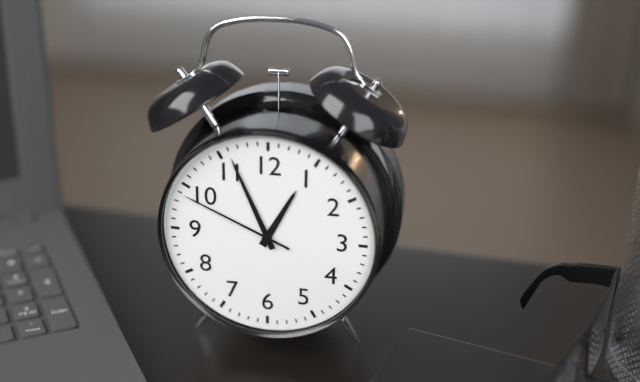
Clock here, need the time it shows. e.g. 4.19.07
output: 12.56.49
